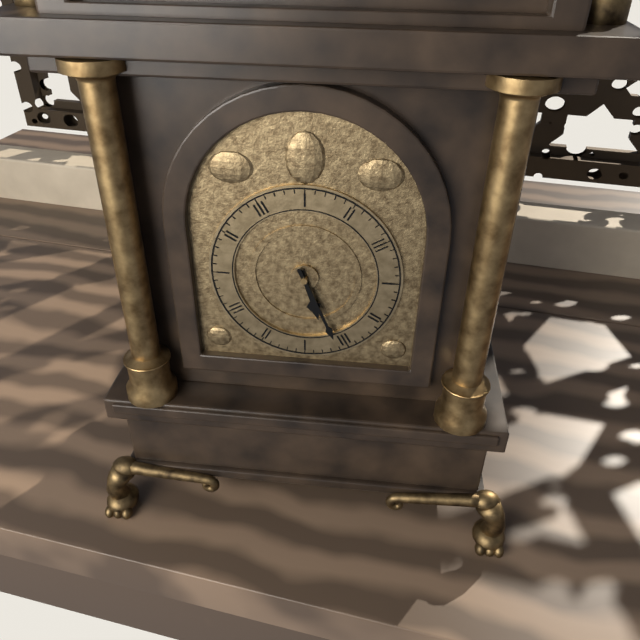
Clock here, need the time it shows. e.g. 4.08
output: 5.26
